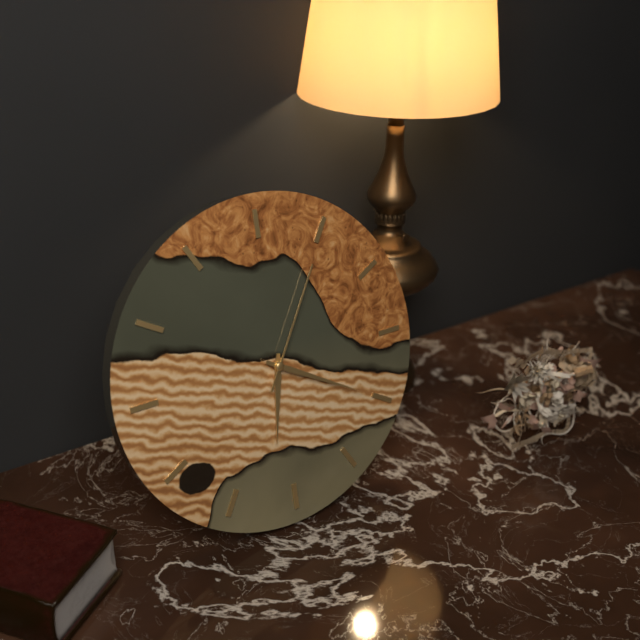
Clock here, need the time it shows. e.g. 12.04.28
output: 6.20.05
